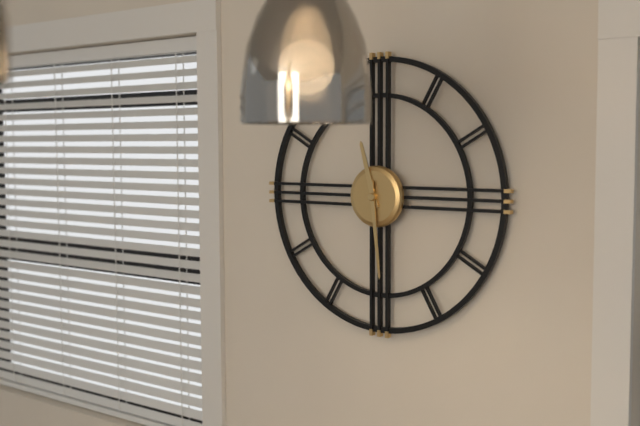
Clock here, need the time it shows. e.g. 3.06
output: 11.29
